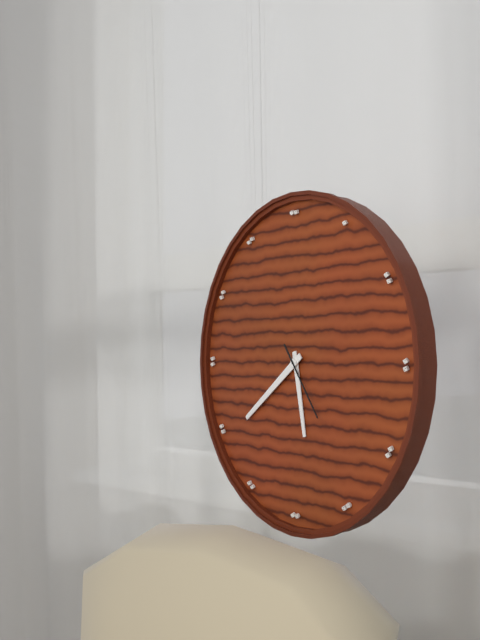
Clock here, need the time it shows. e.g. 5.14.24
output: 5.39.24
